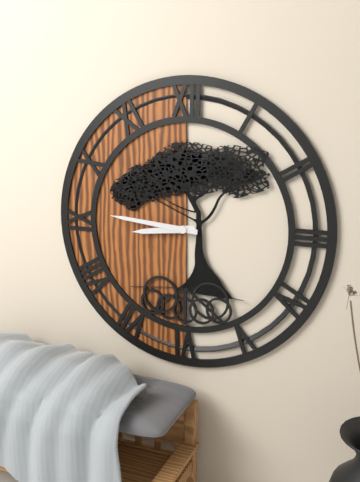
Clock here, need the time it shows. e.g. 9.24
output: 8.46
